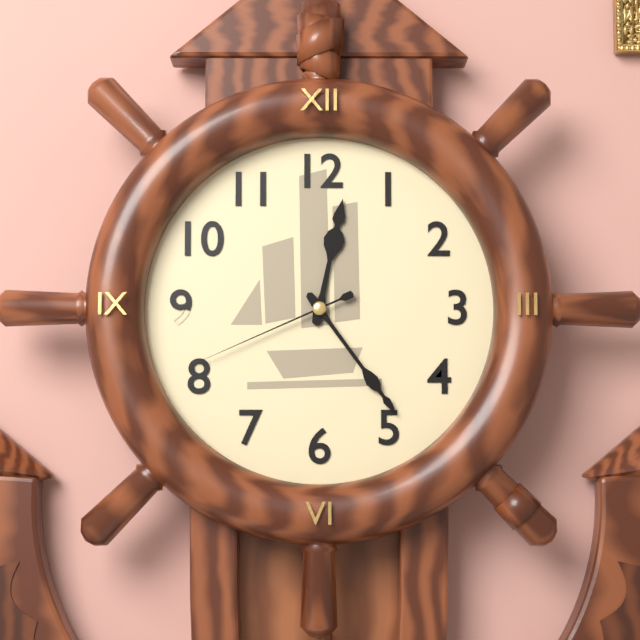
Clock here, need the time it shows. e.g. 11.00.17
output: 12.24.41
